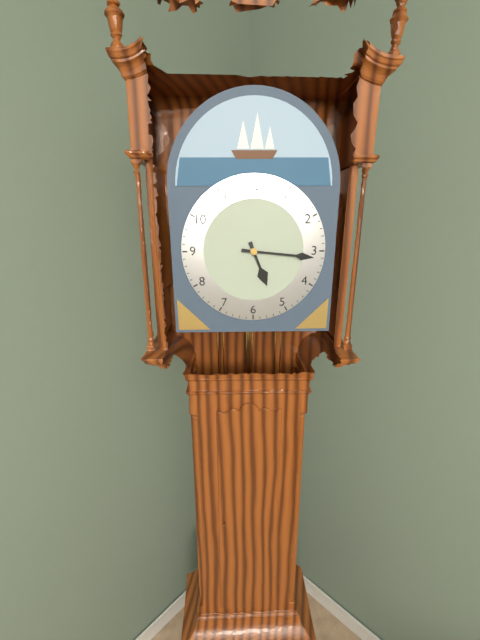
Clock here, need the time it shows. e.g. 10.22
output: 5.16
